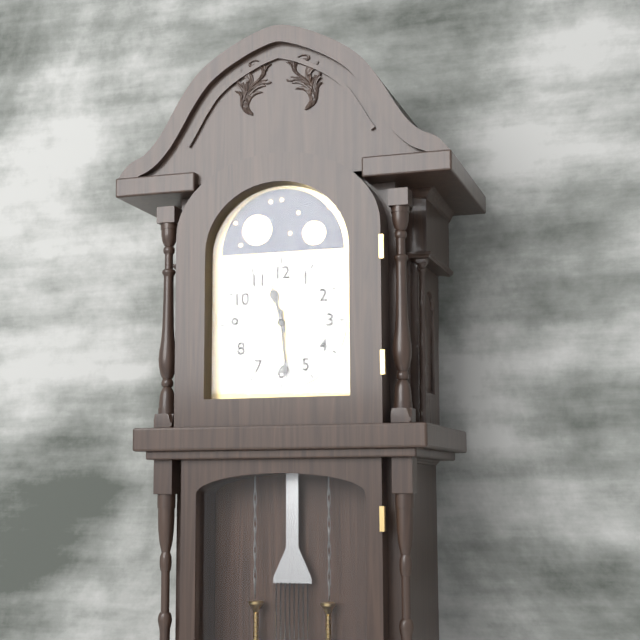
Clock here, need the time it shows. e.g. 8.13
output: 11.29
